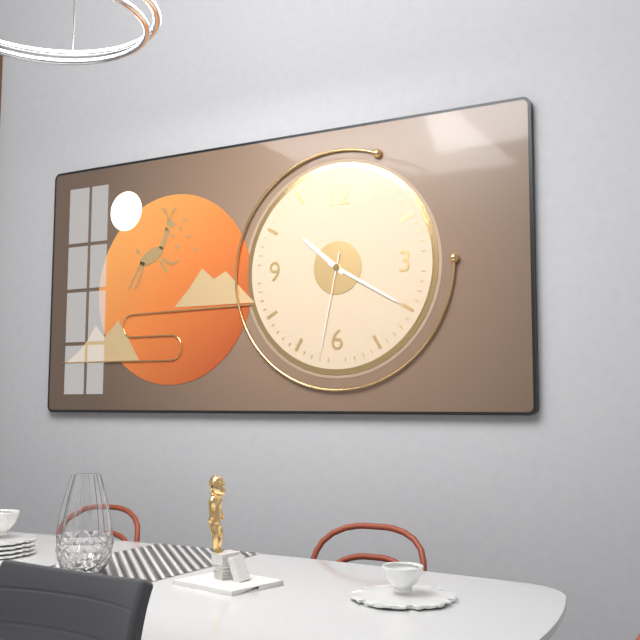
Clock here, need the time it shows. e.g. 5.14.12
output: 10.20.32
